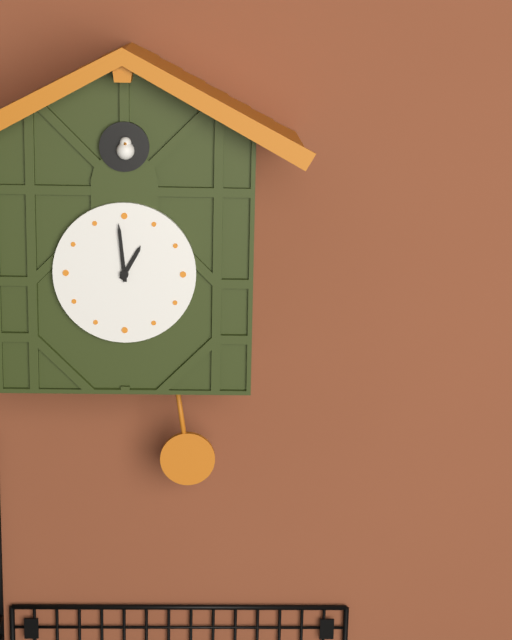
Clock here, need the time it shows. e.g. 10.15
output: 12.59
